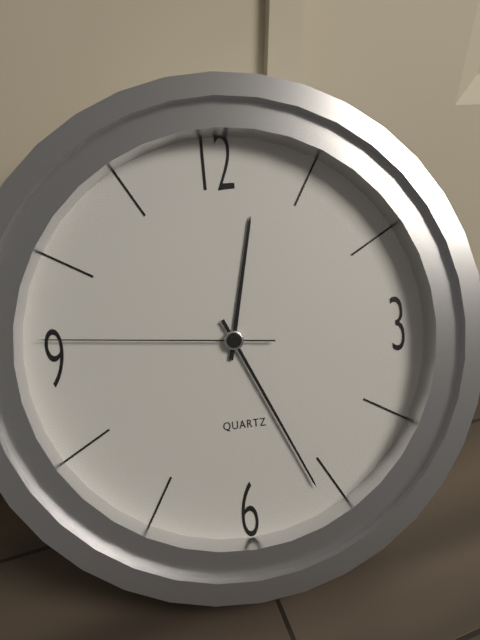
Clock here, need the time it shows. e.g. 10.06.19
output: 12.26.46
